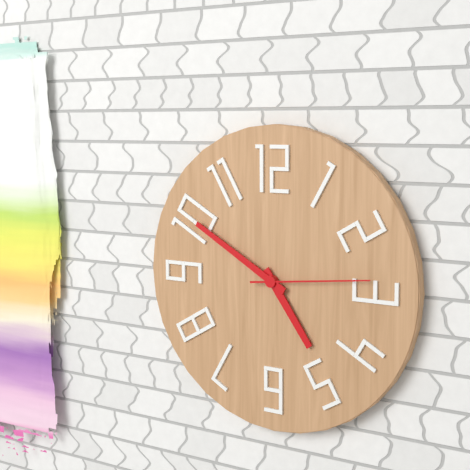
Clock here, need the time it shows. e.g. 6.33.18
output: 4.50.14
